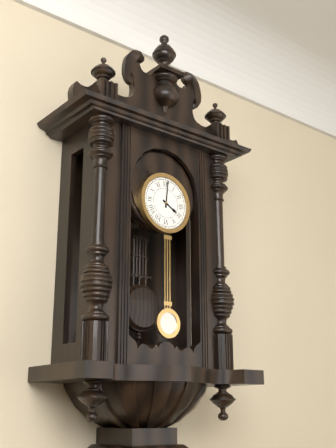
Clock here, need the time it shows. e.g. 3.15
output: 4.01
